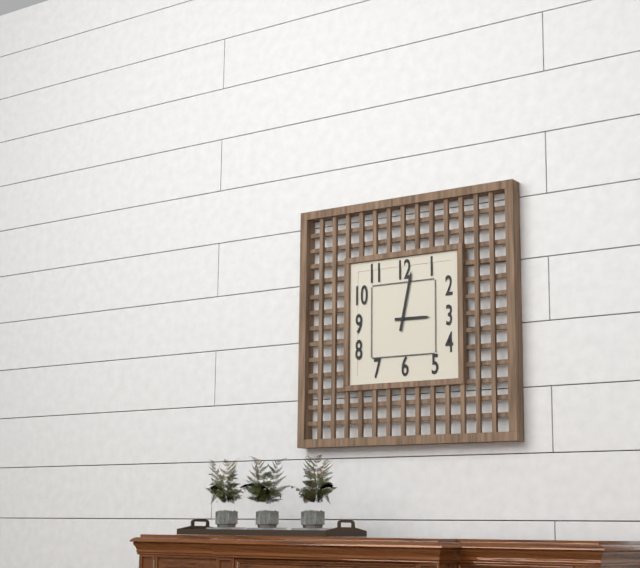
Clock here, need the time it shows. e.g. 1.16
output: 3.02
